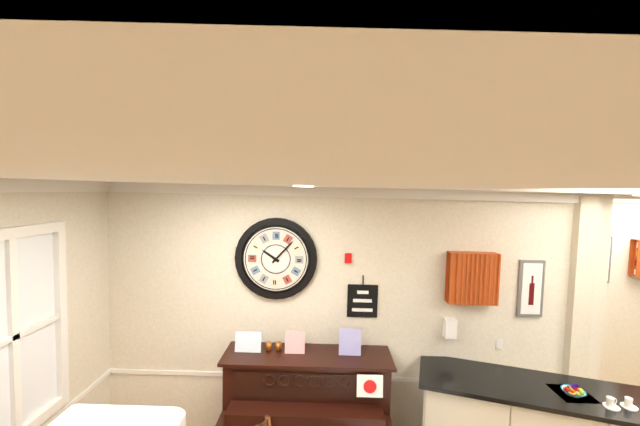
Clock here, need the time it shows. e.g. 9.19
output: 10.07
